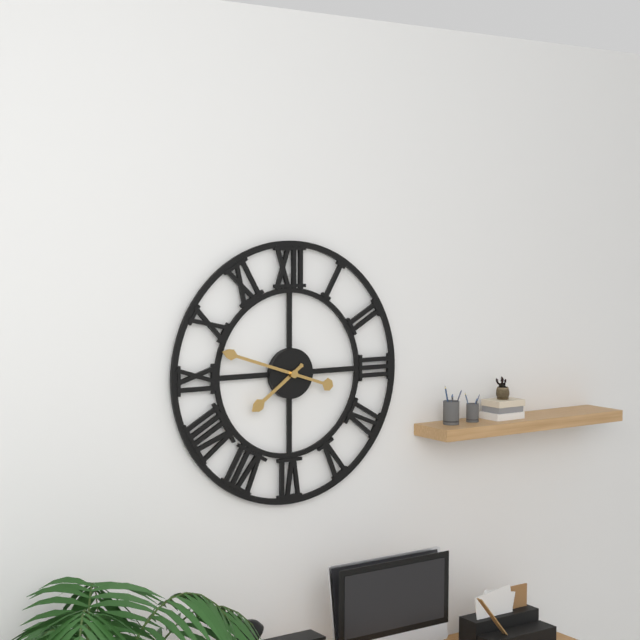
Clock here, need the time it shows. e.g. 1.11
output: 7.48
